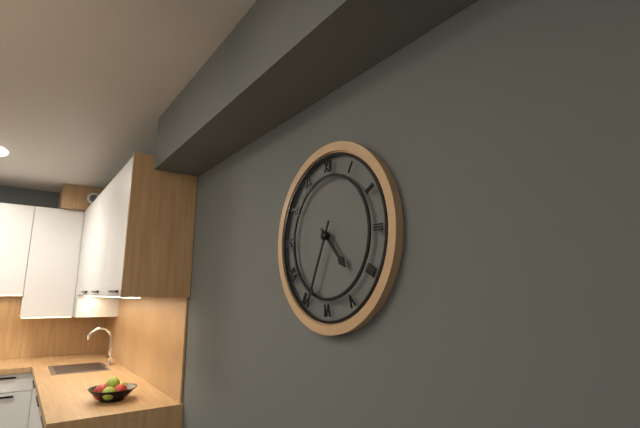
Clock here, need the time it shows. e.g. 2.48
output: 4.34
